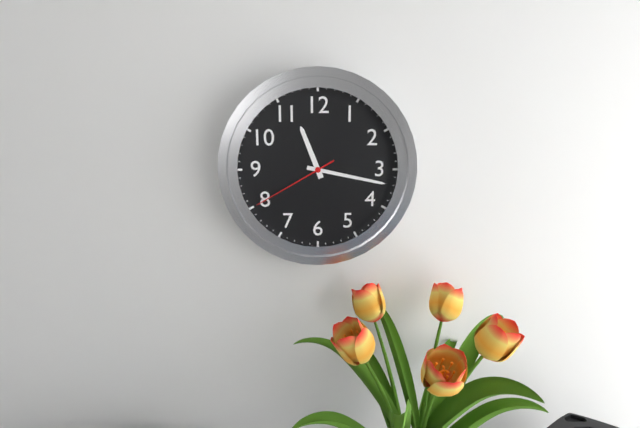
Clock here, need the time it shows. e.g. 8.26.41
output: 11.17.40
